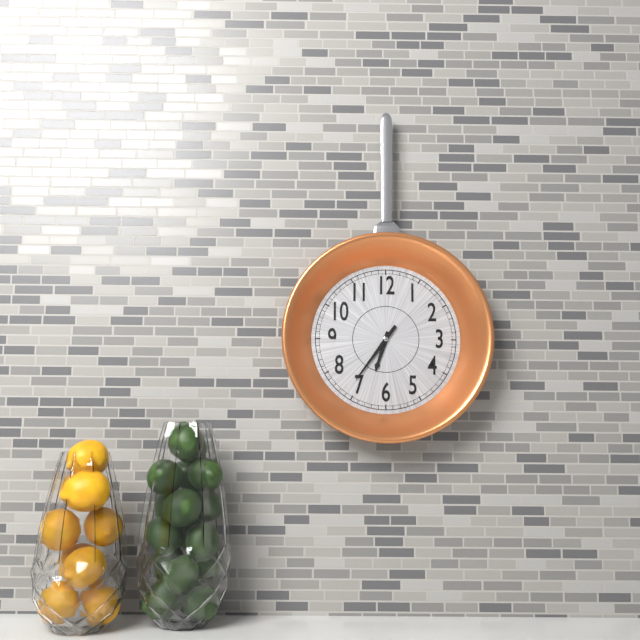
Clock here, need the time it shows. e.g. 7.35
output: 6.36
